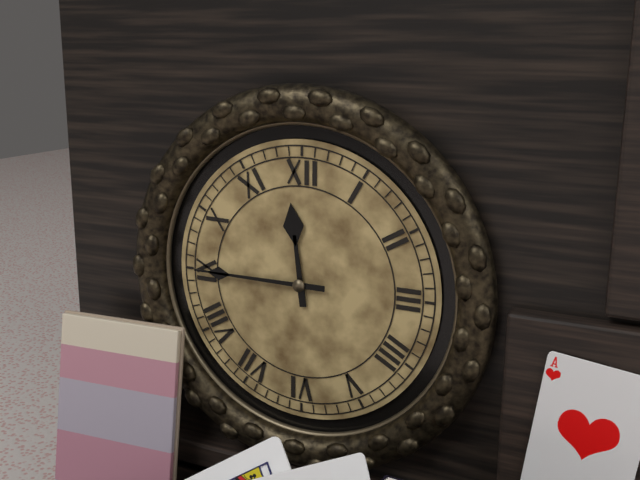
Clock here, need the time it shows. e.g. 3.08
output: 11.45
